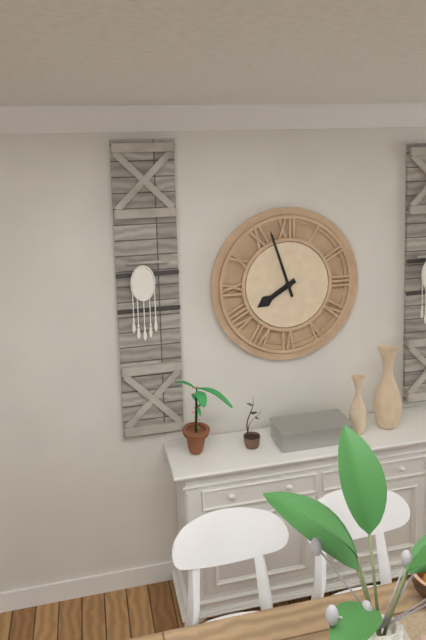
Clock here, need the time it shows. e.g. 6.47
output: 7.57
